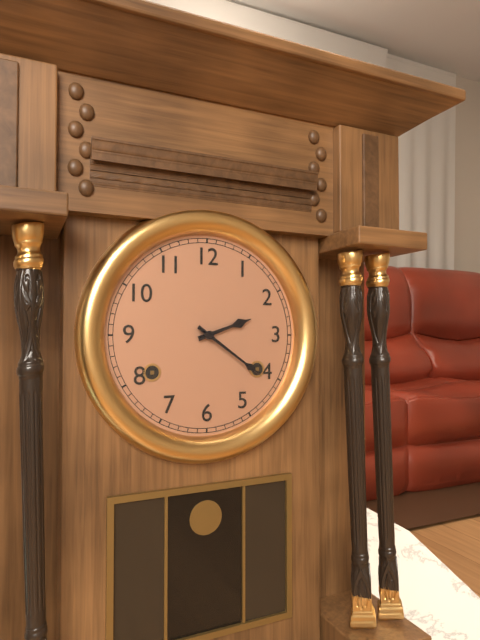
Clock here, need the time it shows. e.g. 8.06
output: 2.21
